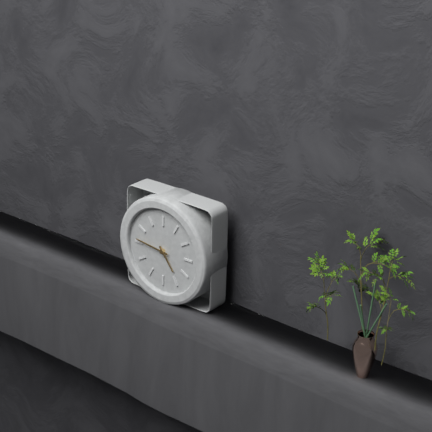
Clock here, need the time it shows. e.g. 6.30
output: 4.46
